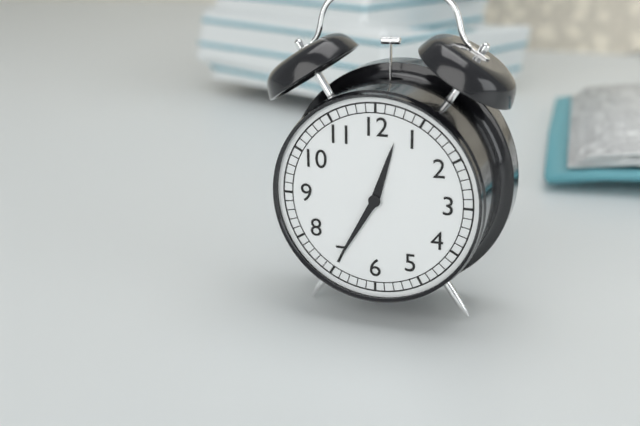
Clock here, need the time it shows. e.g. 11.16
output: 12.35
